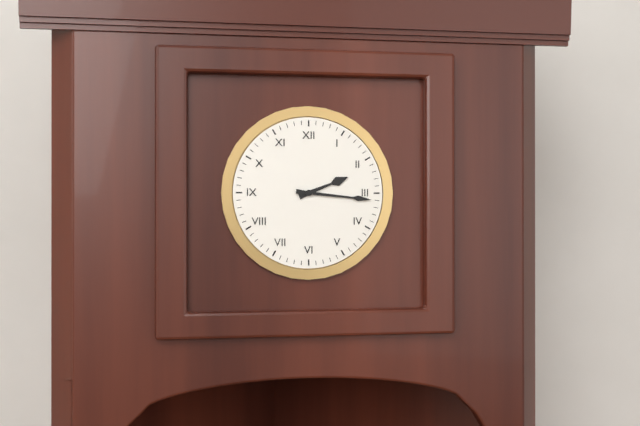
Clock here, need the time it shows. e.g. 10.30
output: 2.16
